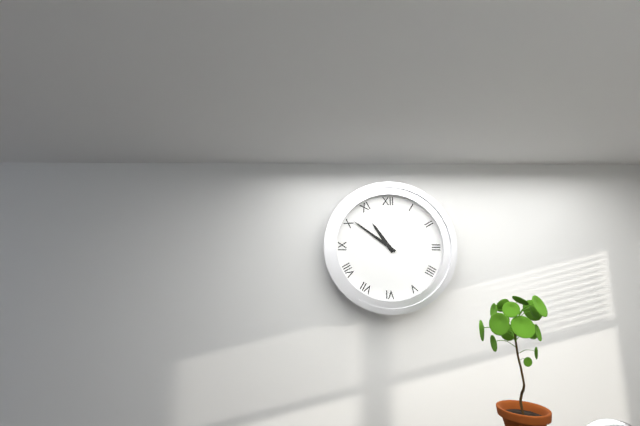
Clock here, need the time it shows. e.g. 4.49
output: 10.51
